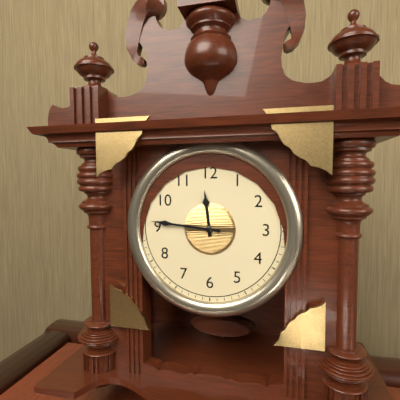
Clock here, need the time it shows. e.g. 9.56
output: 11.46
